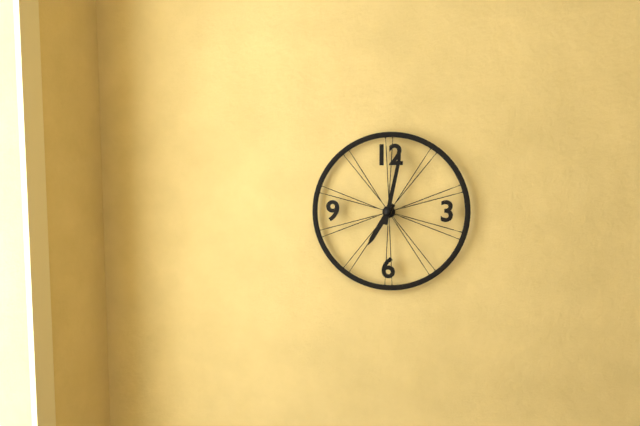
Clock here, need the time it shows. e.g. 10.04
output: 7.02
